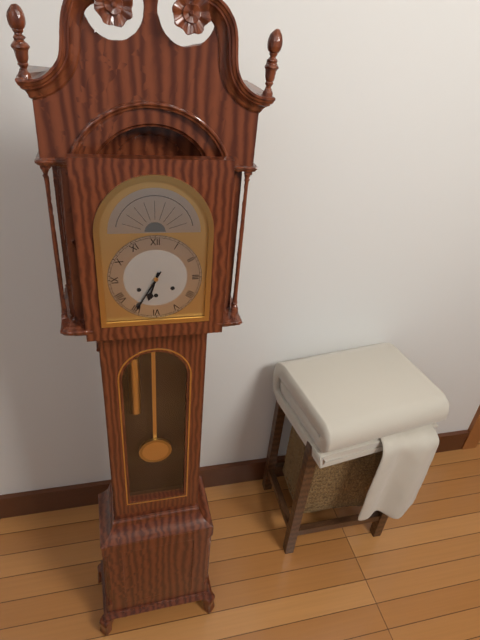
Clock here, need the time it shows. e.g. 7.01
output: 6.35
